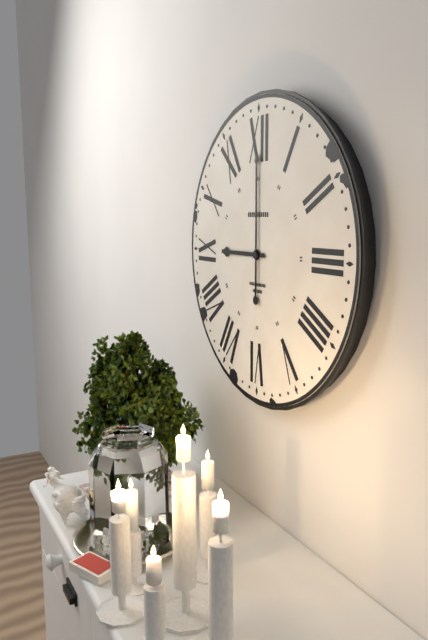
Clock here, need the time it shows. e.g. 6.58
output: 9.00
